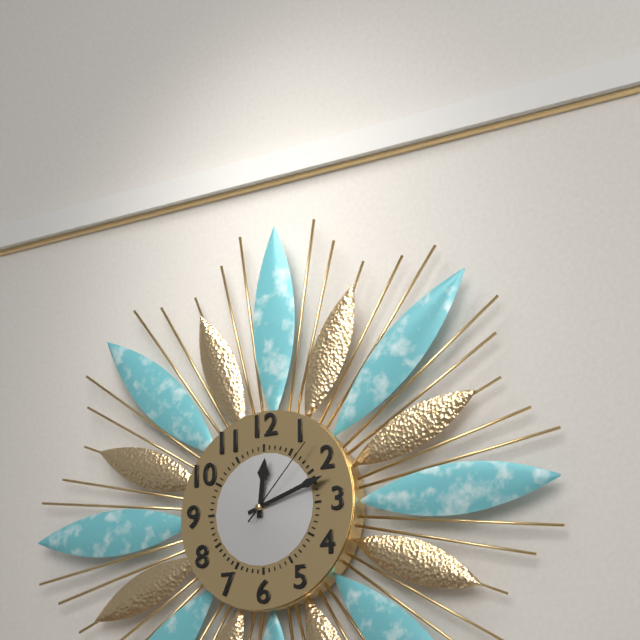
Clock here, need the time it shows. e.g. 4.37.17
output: 12.12.07
